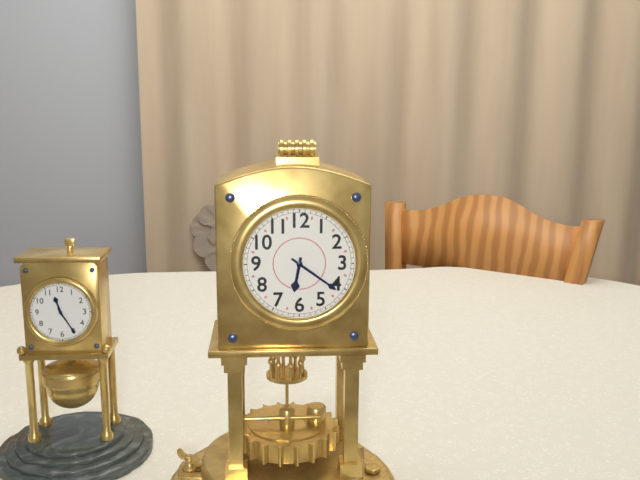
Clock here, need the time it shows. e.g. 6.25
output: 6.21
